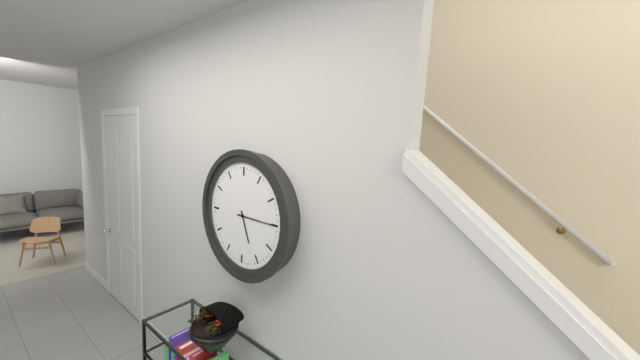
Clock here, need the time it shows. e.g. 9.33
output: 5.15
